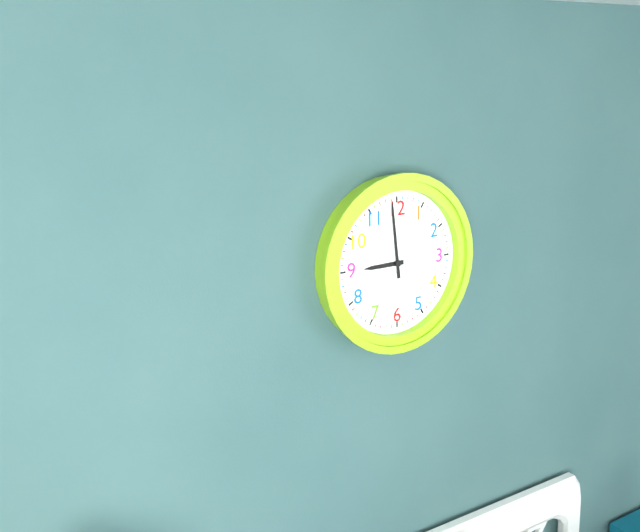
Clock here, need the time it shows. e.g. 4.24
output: 8.59
